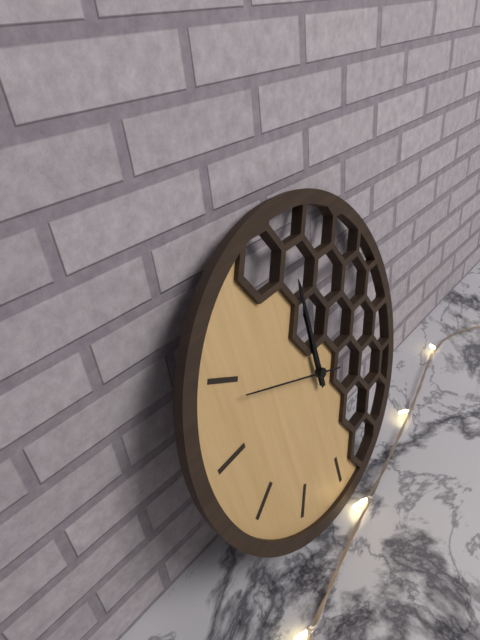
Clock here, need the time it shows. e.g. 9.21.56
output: 12.00.49
